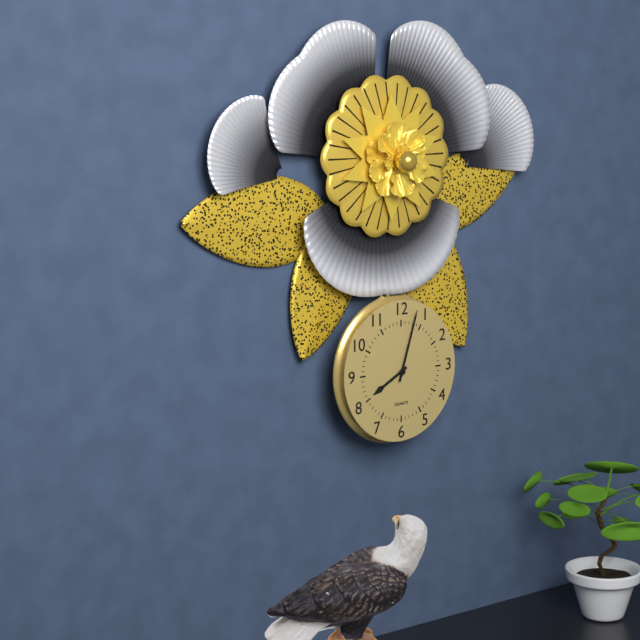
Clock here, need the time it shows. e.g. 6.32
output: 8.03
